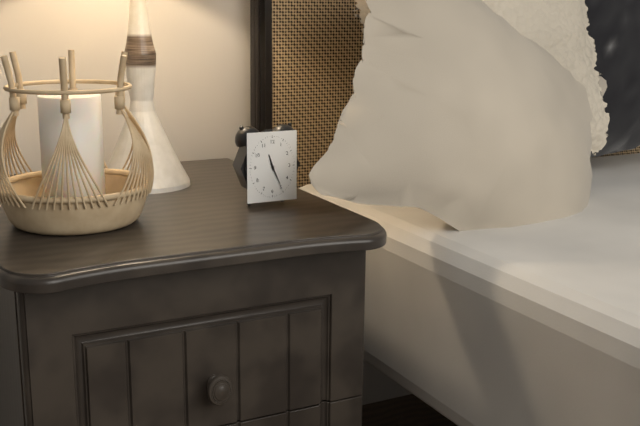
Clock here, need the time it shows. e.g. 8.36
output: 11.26
